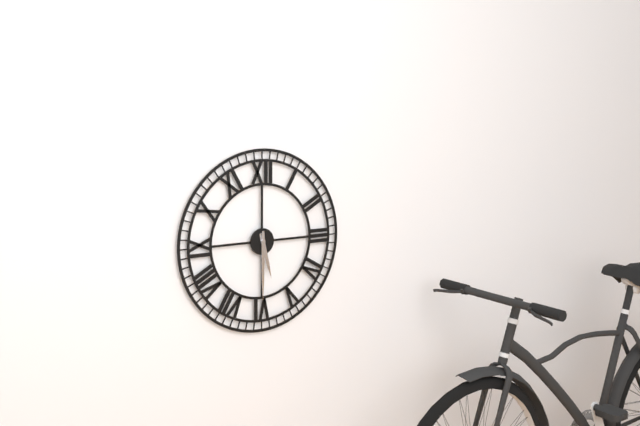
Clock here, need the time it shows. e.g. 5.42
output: 5.30
